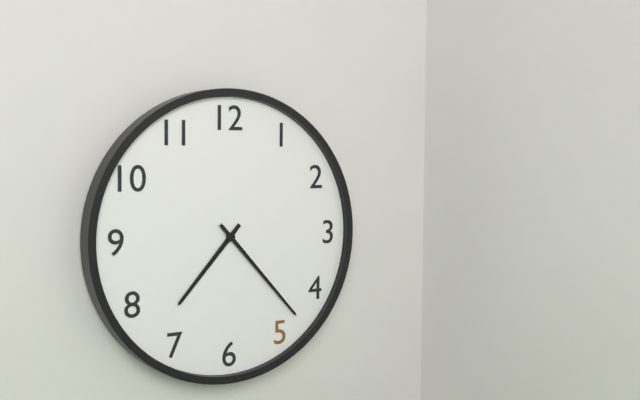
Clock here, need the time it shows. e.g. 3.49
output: 7.23
